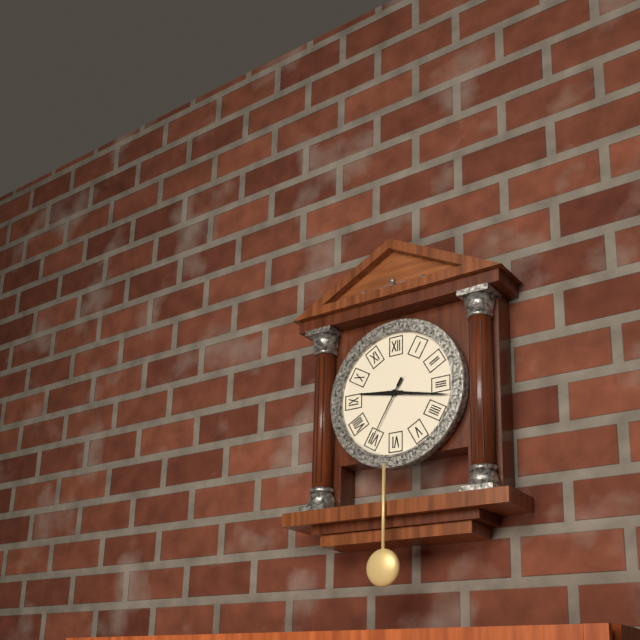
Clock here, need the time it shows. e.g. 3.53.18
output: 9.17.35
